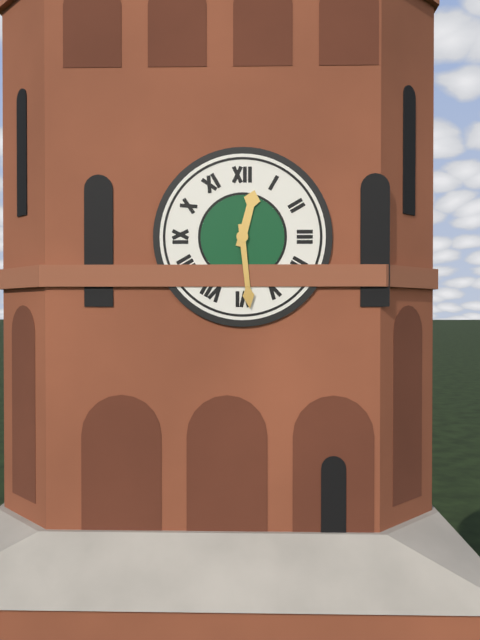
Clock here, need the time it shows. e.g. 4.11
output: 12.29
